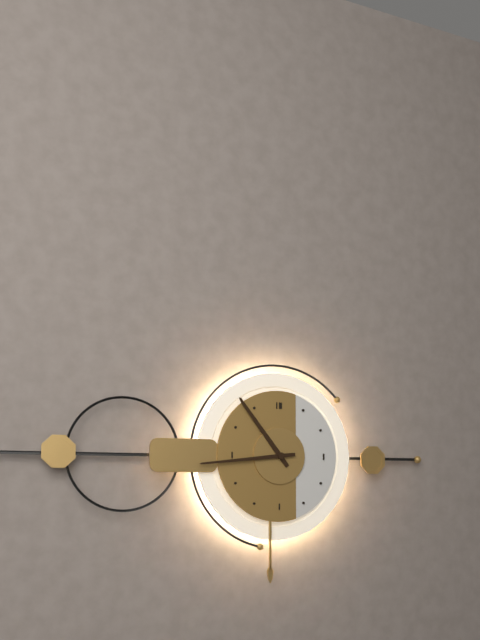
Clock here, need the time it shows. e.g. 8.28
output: 10.44
